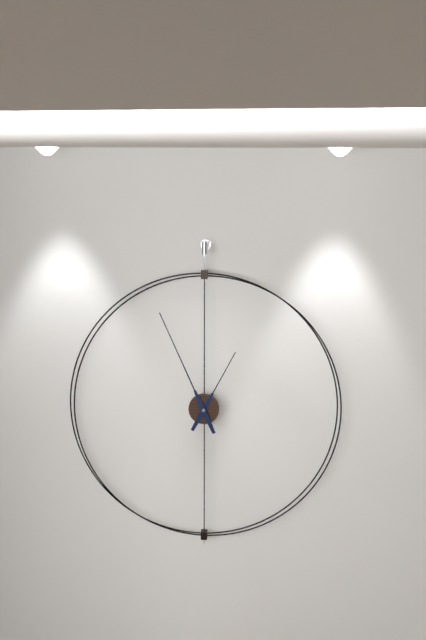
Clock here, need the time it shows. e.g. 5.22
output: 12.56
